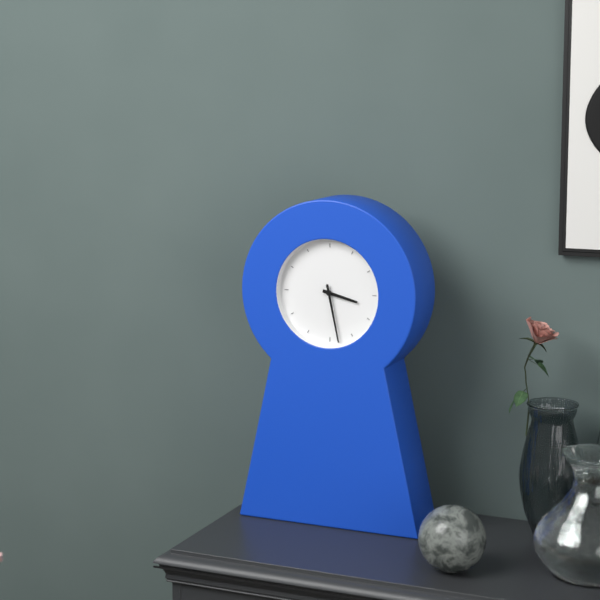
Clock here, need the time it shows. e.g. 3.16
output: 3.28
